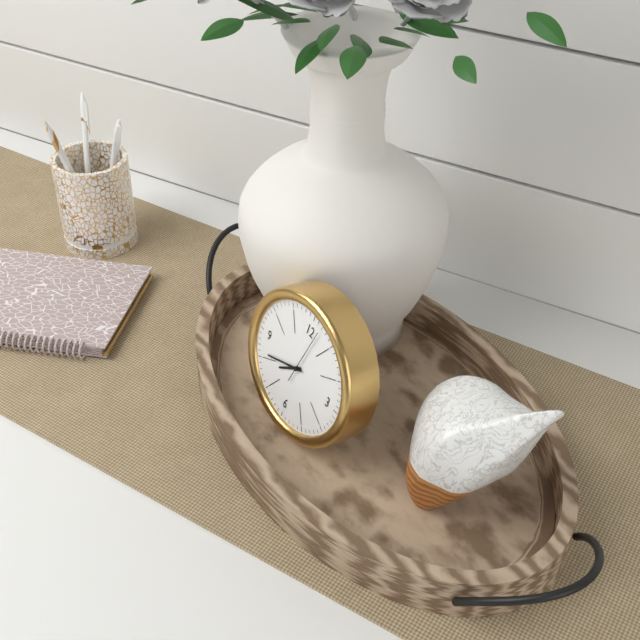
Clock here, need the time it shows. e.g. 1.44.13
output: 7.41.02
